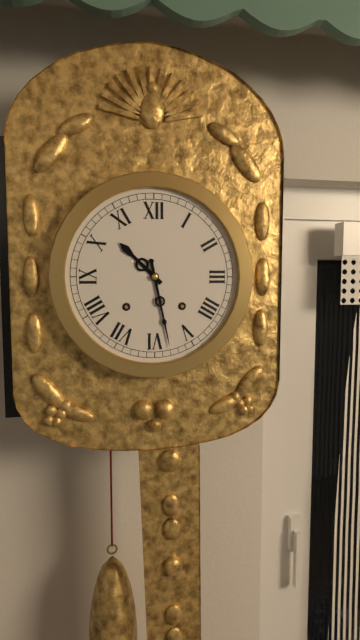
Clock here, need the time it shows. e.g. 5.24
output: 10.28
